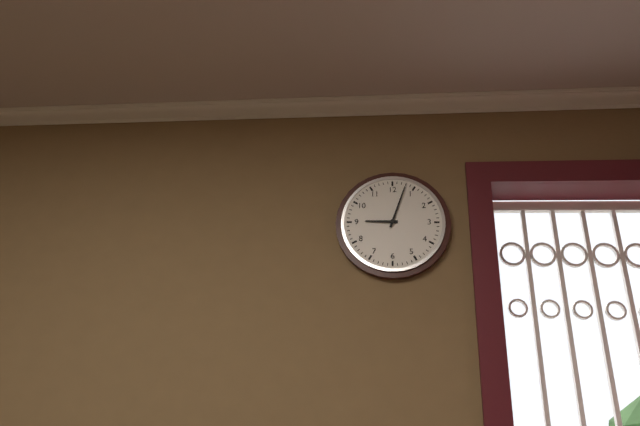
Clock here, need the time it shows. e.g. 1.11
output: 9.03
